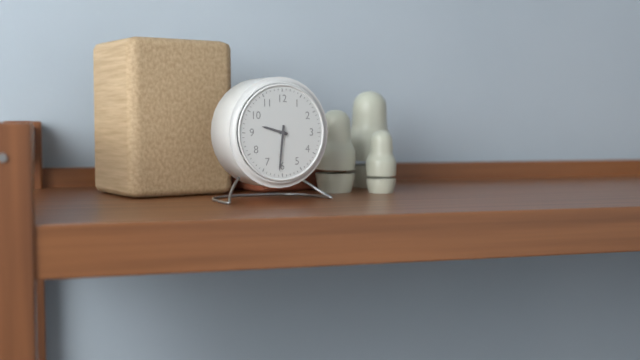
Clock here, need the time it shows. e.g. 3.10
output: 9.31
